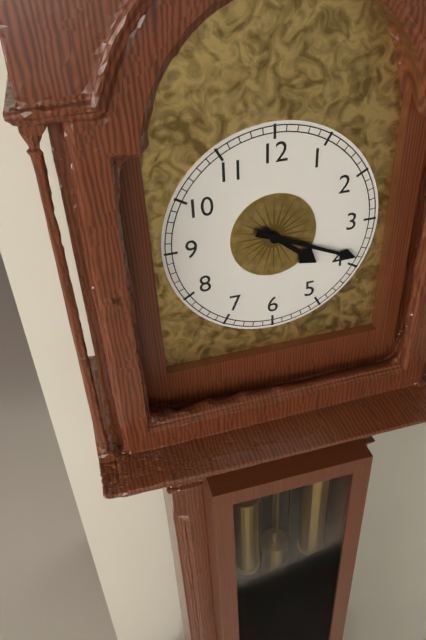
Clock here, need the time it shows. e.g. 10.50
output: 4.19
